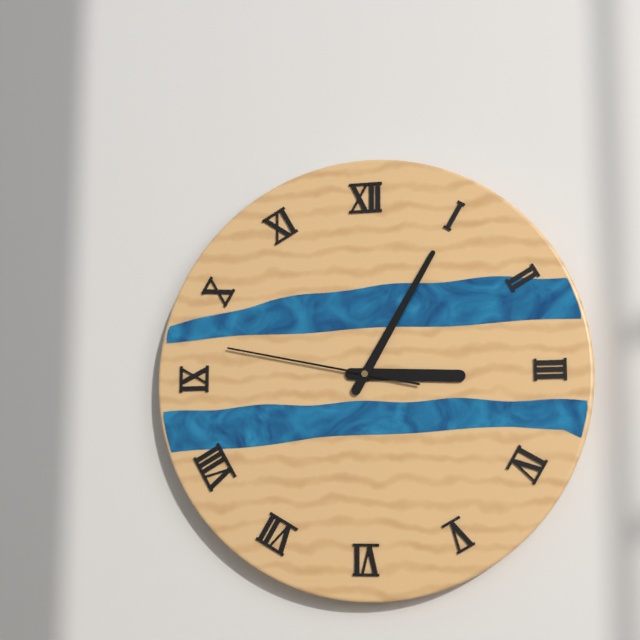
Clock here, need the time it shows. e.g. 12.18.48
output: 3.05.47
